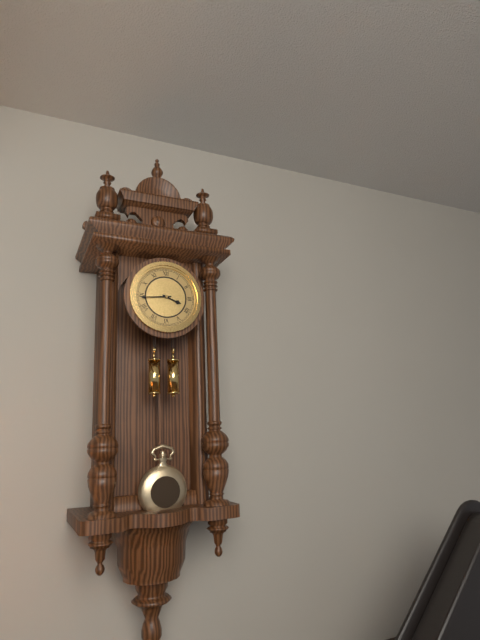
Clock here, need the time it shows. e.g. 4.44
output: 3.44
